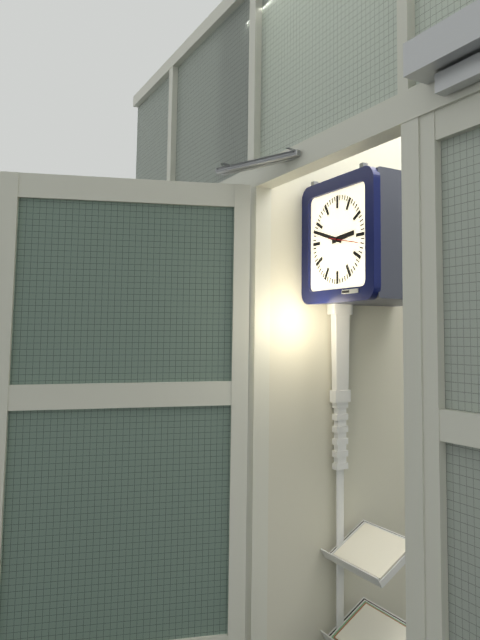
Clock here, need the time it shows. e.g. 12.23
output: 2.48
